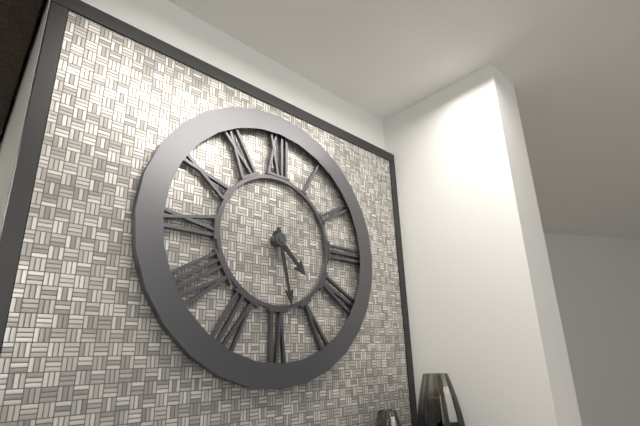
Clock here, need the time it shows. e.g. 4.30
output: 4.28
